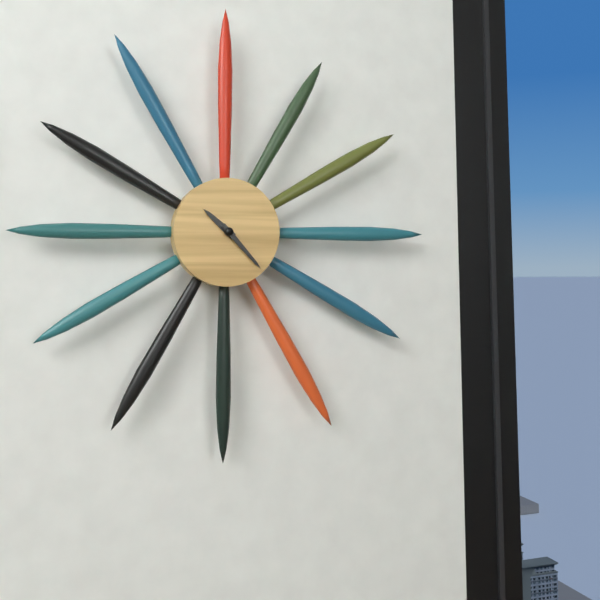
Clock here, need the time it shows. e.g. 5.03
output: 10.23
